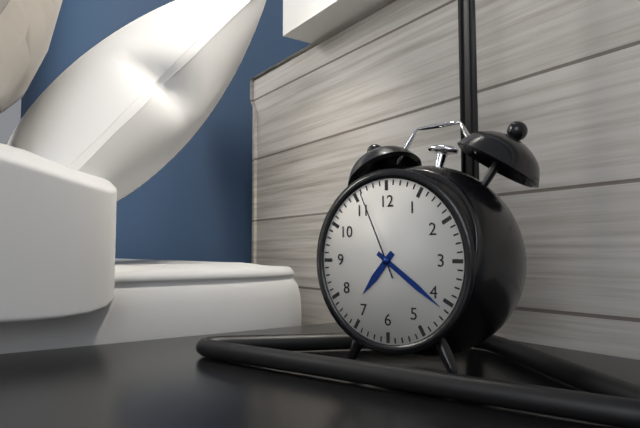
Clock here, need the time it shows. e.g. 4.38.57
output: 7.21.56
